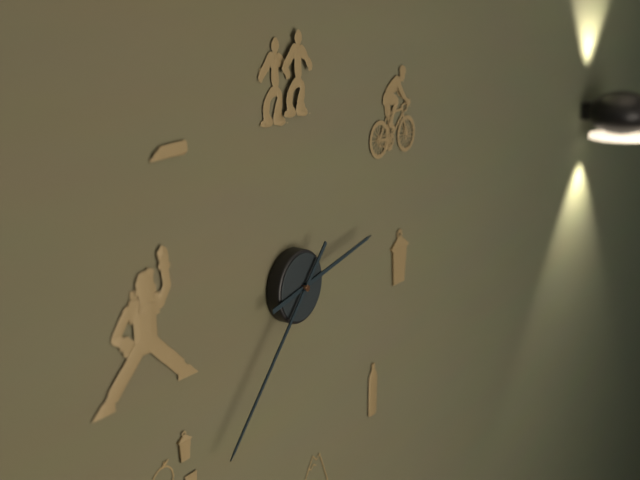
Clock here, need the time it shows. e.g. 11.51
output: 2.37
